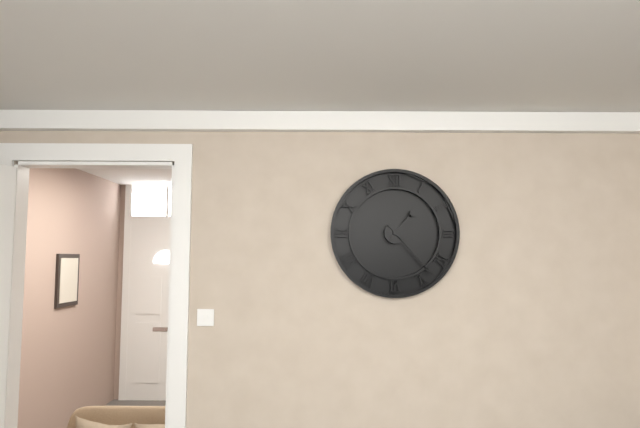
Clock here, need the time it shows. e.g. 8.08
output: 1.23
